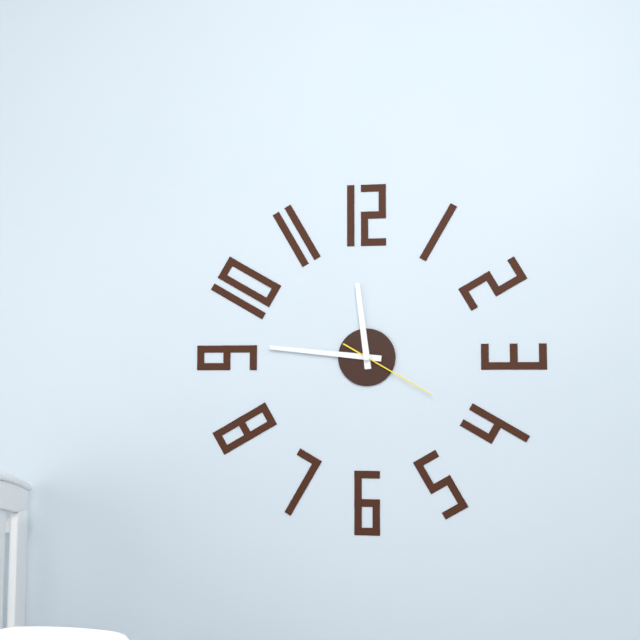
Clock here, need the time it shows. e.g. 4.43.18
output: 11.46.20
